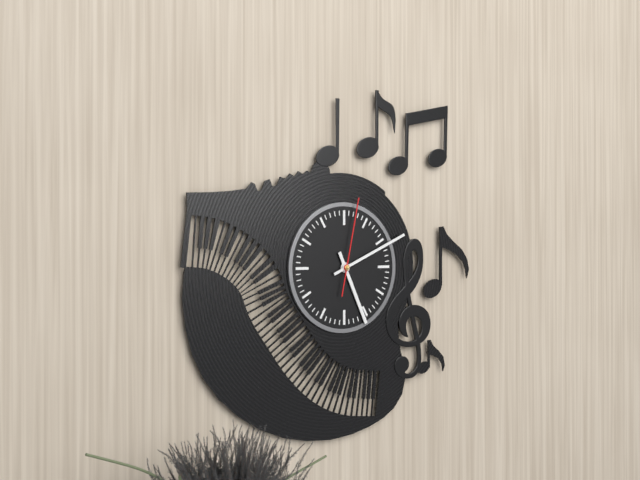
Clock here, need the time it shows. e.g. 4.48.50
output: 5.11.02
